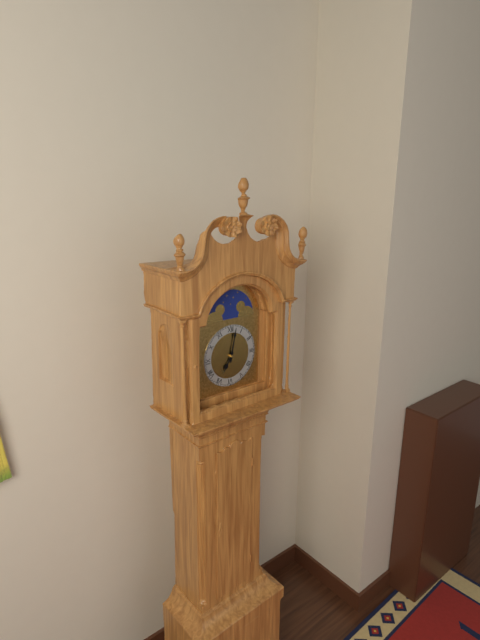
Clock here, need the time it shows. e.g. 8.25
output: 7.02
